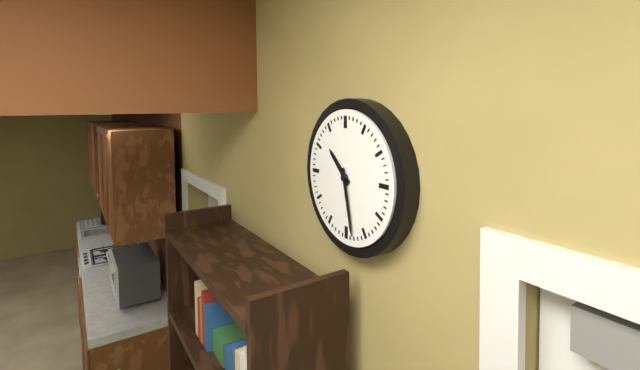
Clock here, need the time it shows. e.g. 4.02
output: 10.28
